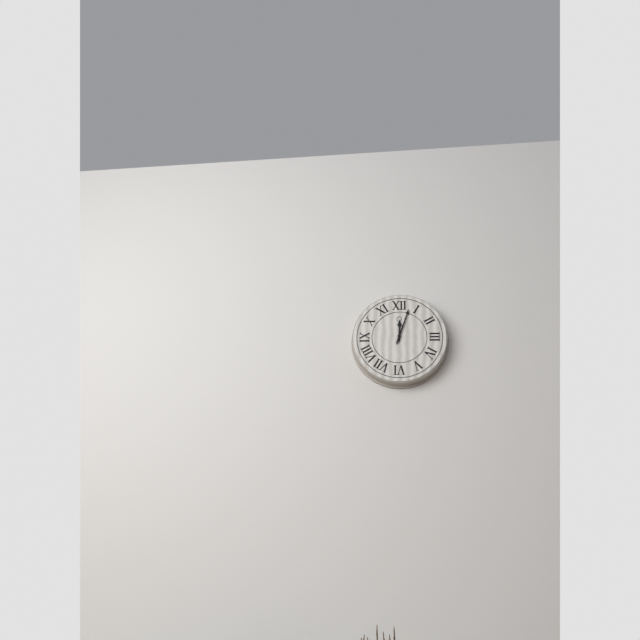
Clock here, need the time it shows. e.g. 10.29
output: 12.03
